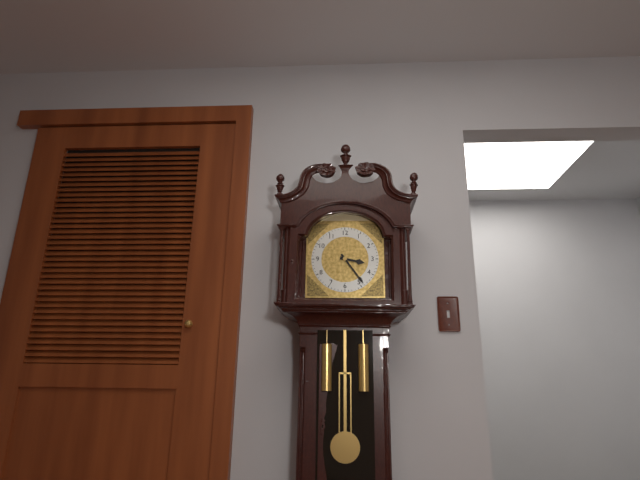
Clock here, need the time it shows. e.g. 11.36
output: 3.24
